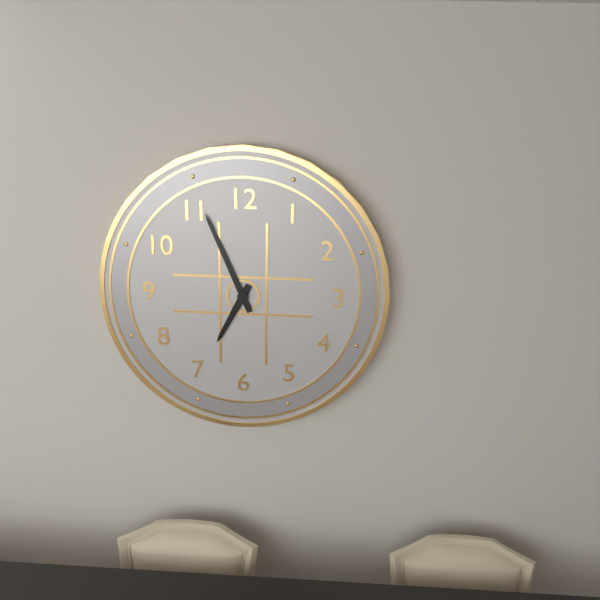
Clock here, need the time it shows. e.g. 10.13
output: 6.56
